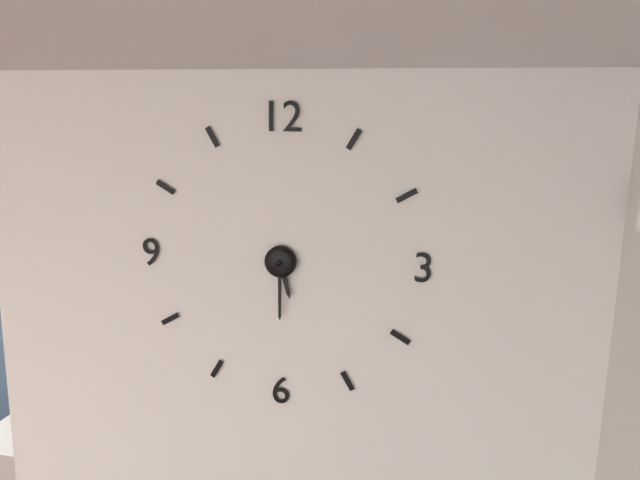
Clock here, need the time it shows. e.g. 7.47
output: 5.30
